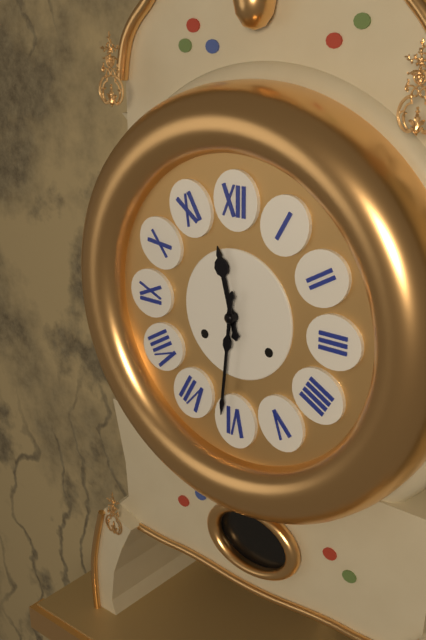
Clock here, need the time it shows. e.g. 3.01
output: 11.31
